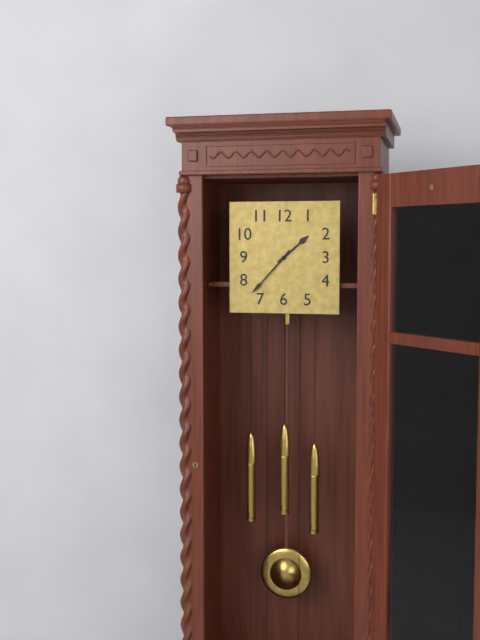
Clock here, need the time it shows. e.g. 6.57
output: 1.37
